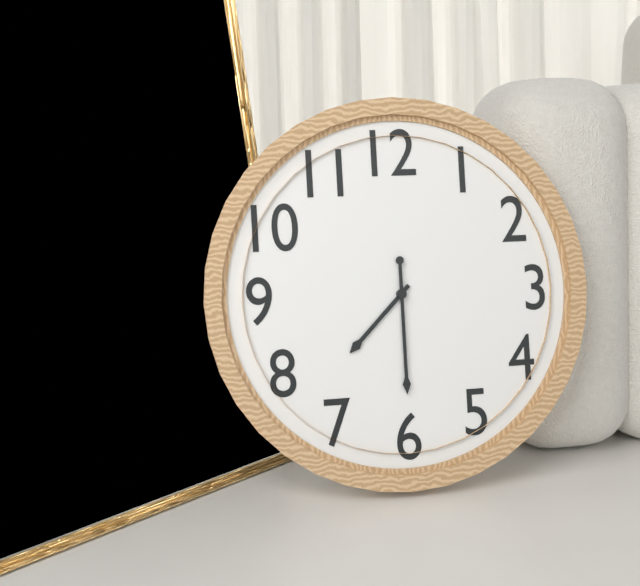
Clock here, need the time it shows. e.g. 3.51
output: 7.30
